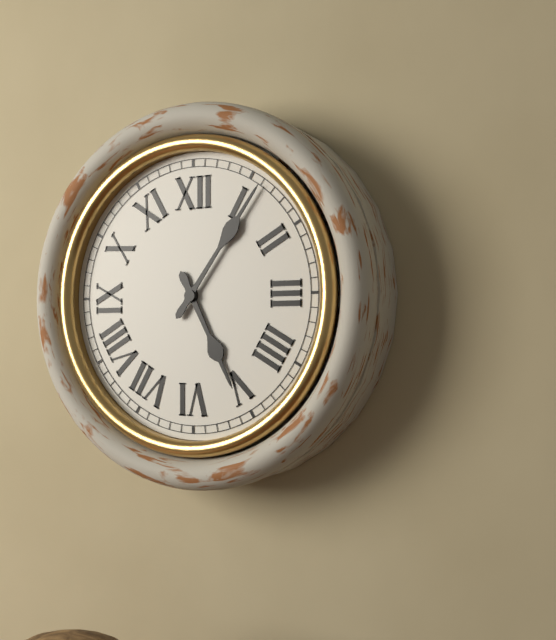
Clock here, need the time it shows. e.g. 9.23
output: 5.06
